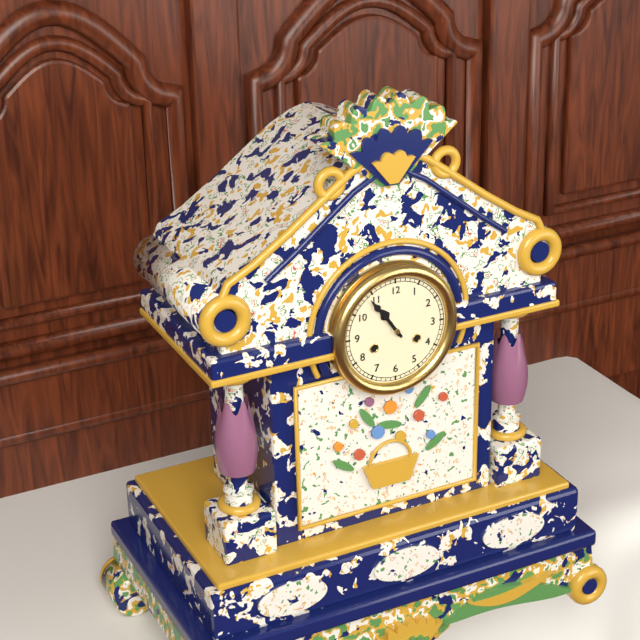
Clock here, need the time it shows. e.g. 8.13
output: 10.54
